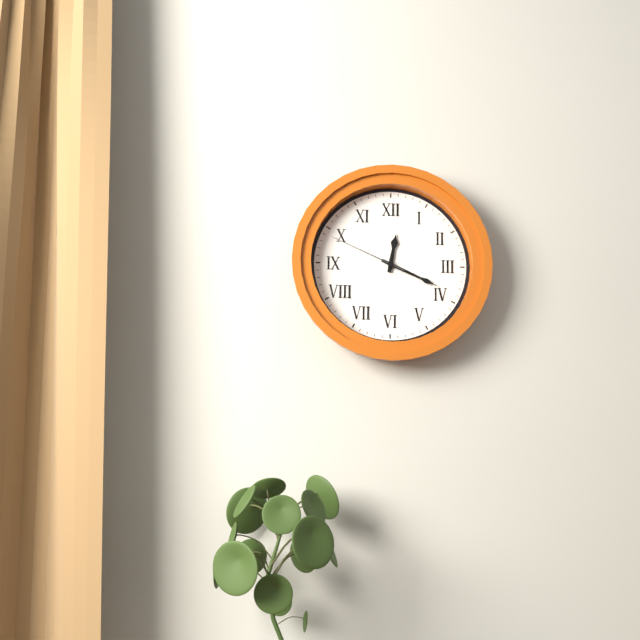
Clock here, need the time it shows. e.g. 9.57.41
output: 12.19.49
